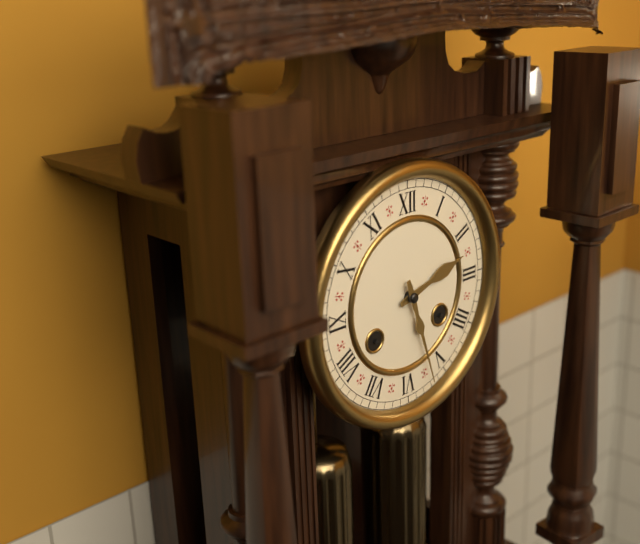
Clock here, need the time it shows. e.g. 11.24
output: 2.27
